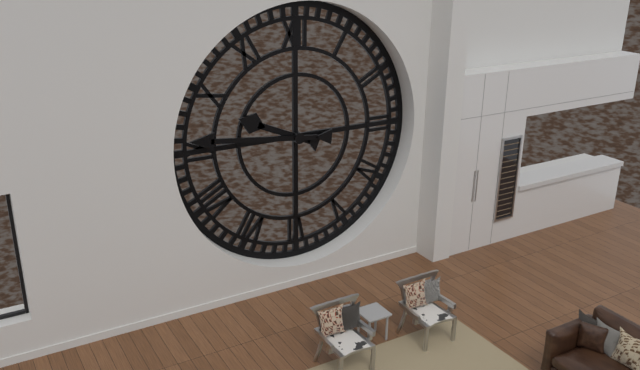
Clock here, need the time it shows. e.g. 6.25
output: 9.46
